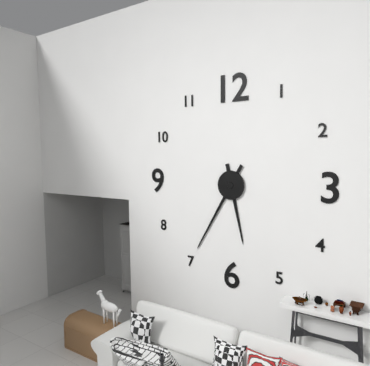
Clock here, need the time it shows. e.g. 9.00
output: 5.35
